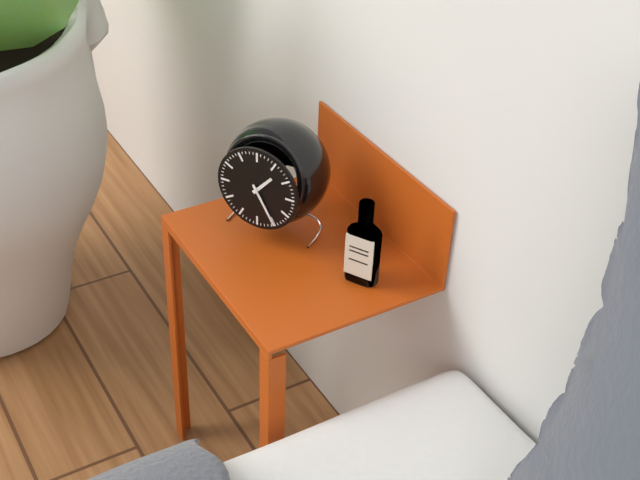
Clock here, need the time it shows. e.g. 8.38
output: 1.25
